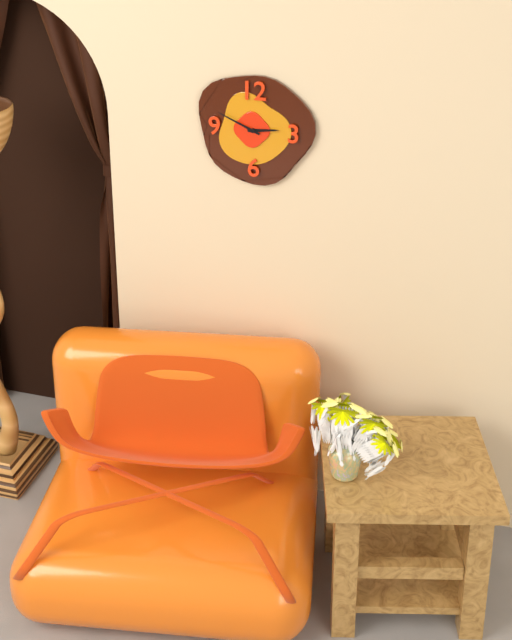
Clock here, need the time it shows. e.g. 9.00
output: 2.49
